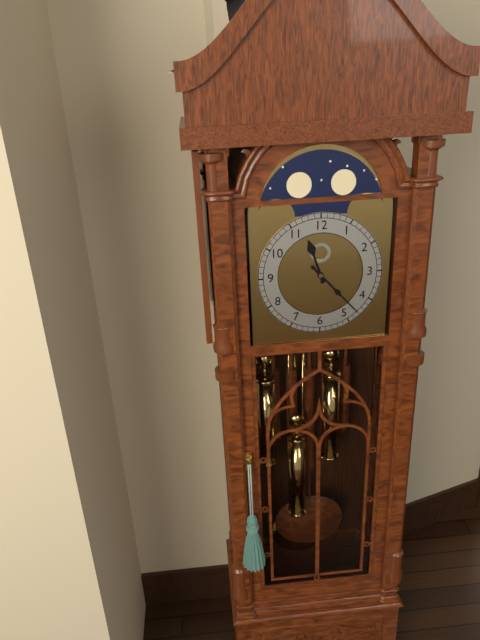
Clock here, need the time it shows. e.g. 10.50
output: 11.23
